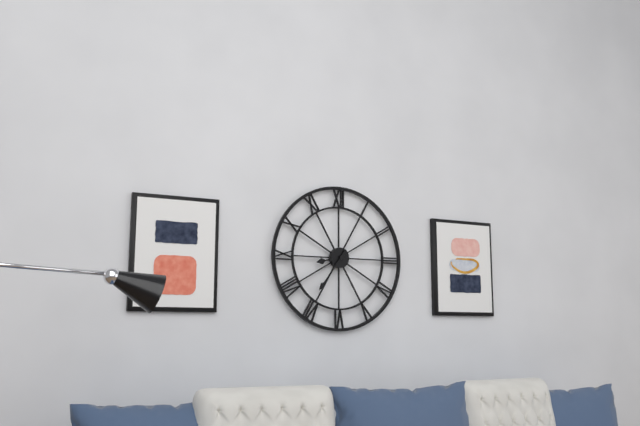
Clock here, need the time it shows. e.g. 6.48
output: 8.36
